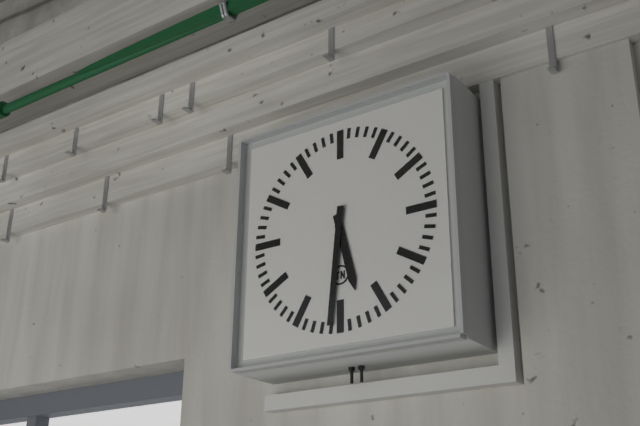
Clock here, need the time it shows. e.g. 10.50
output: 5.31
